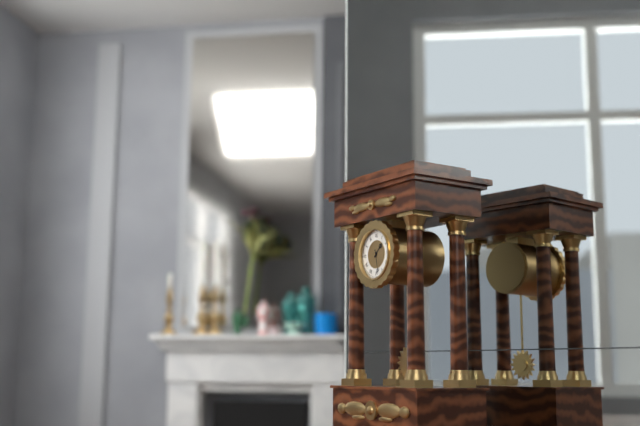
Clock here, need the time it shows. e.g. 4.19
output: 1.28
